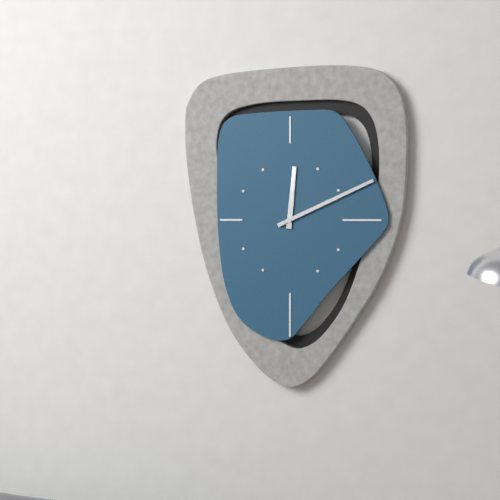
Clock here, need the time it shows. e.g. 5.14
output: 12.11
